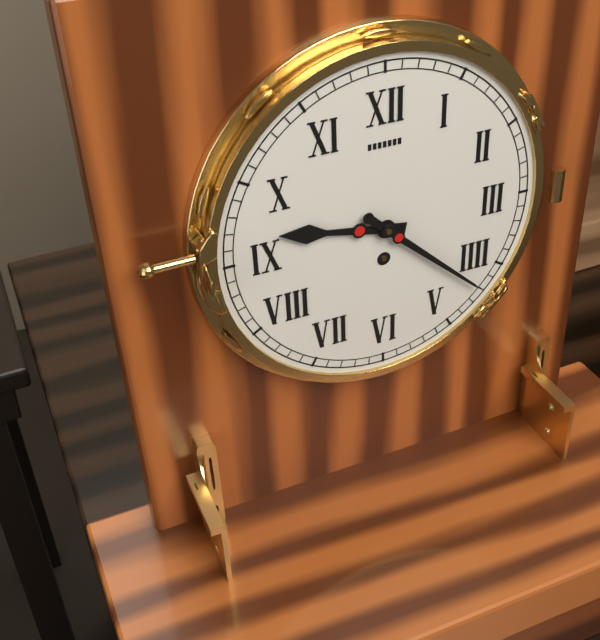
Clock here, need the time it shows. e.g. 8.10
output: 9.22
